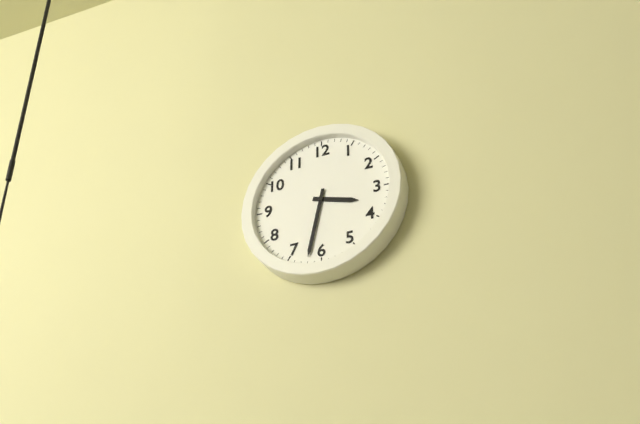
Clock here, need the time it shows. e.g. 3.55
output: 3.32
